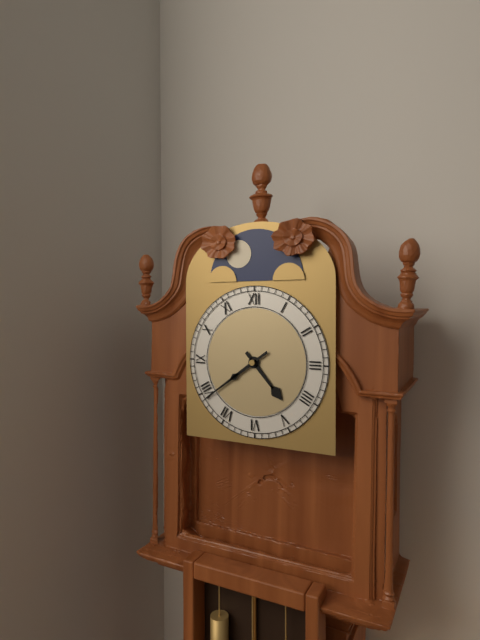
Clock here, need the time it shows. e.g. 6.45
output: 4.39
